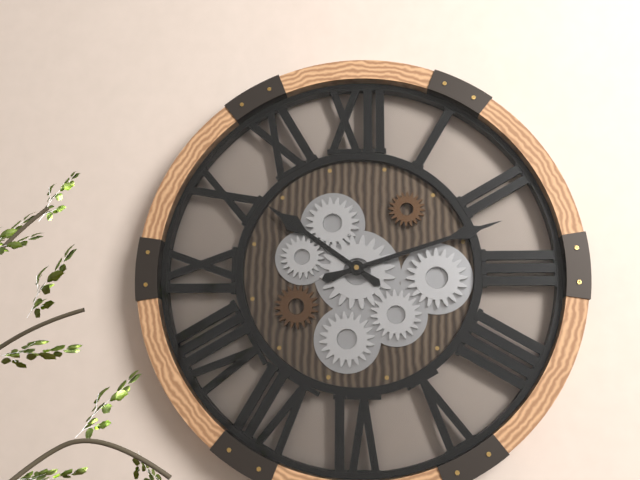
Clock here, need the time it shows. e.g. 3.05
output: 10.12
